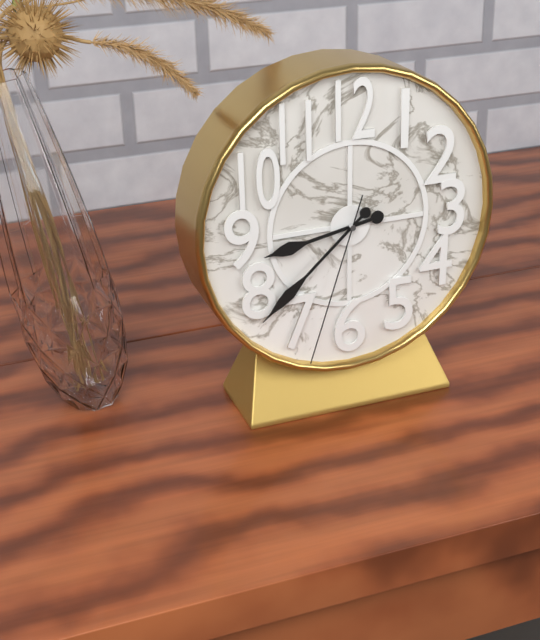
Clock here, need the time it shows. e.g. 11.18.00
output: 8.38.33
